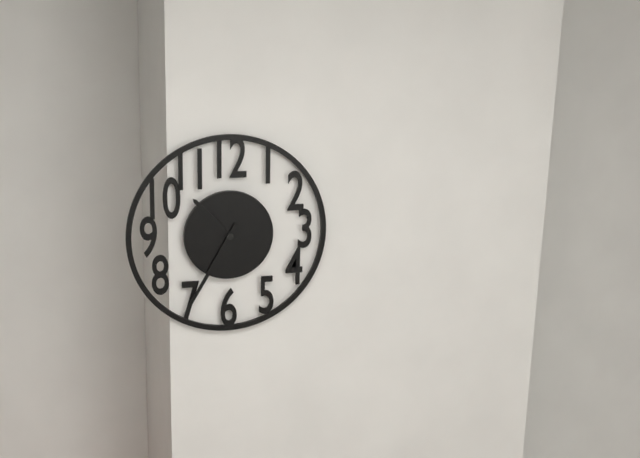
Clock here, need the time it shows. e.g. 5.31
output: 10.35
